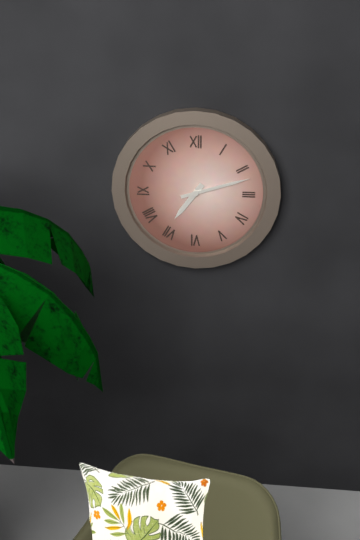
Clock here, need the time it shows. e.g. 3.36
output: 7.12
